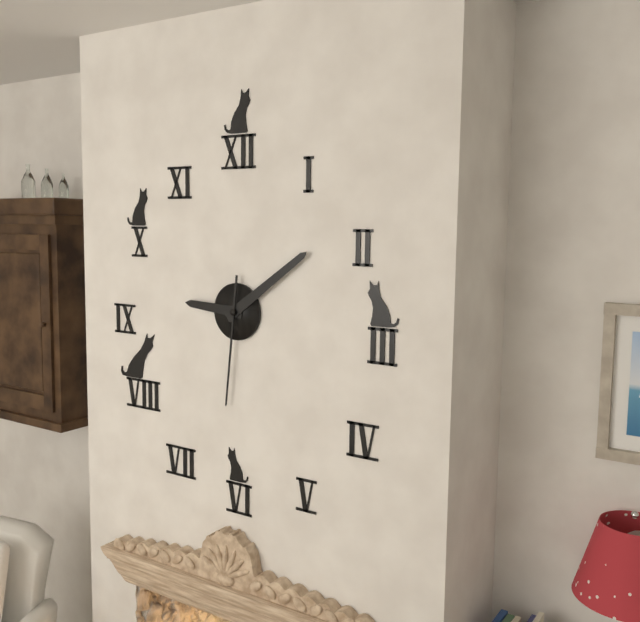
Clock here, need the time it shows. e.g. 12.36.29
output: 9.09.31
